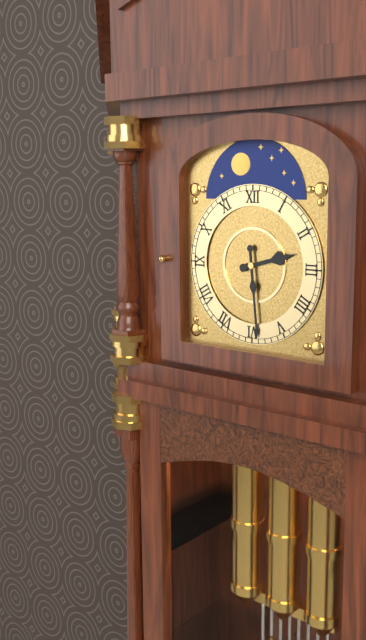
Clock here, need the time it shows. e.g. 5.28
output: 2.29
